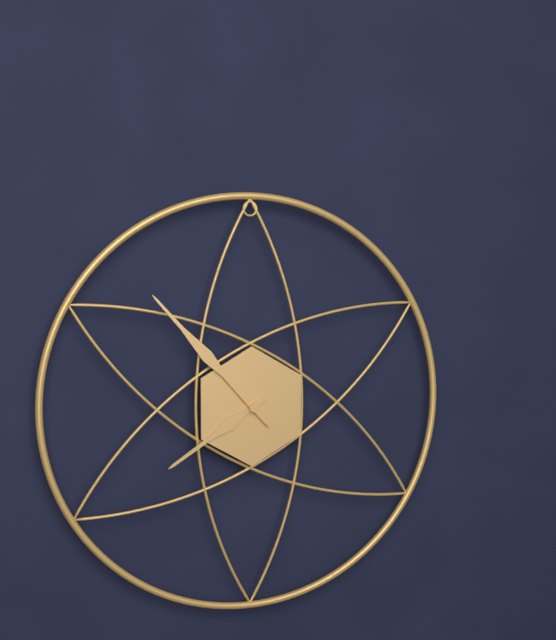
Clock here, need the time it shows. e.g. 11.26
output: 7.53
